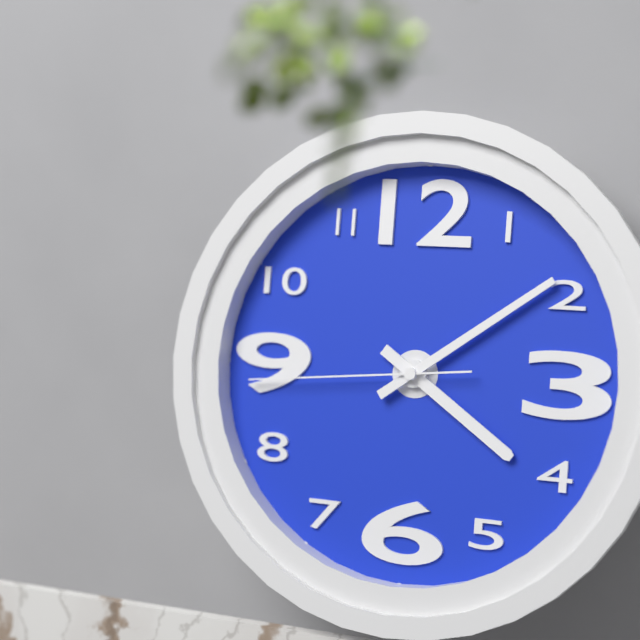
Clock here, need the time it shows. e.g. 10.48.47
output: 4.09.44
